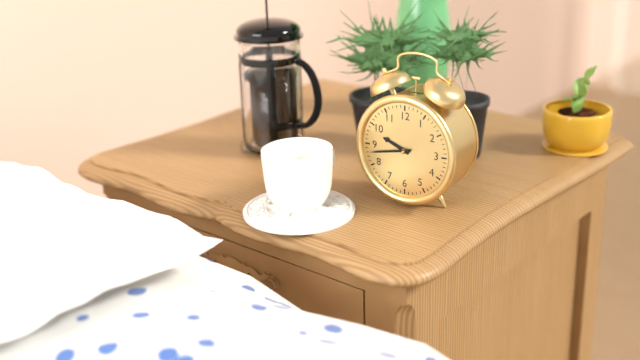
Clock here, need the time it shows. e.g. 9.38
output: 9.43
